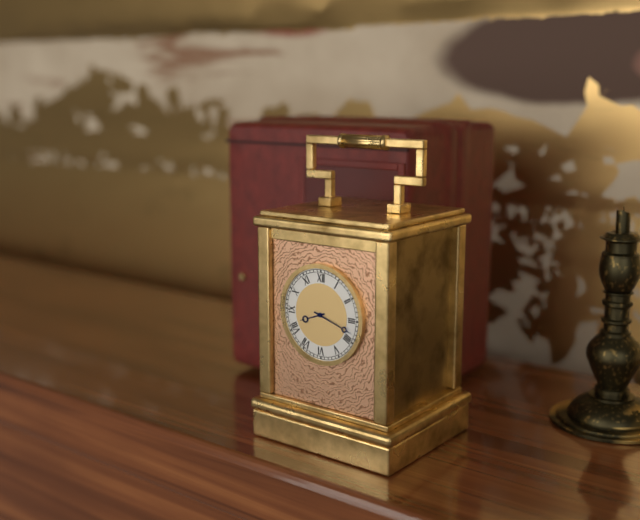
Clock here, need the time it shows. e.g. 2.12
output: 8.18
